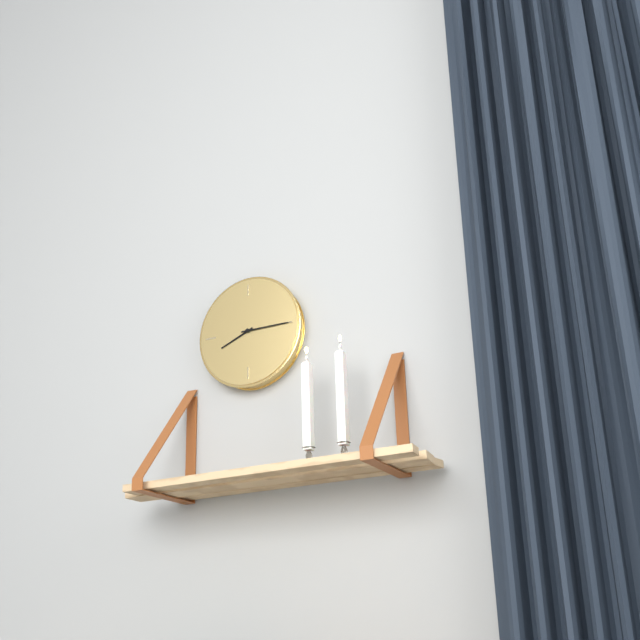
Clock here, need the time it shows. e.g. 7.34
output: 8.15
